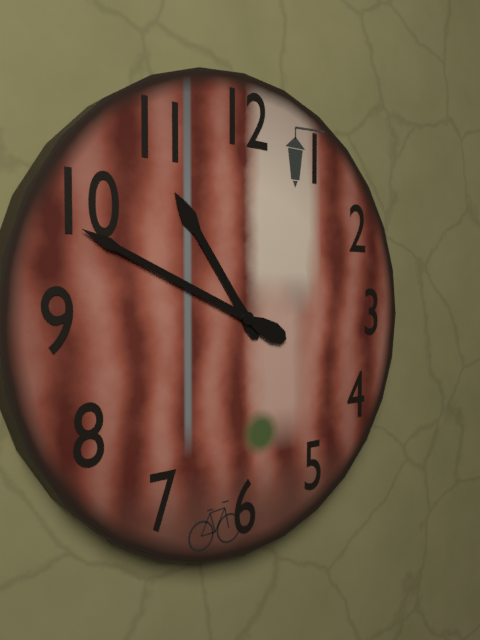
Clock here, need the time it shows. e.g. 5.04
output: 10.49
